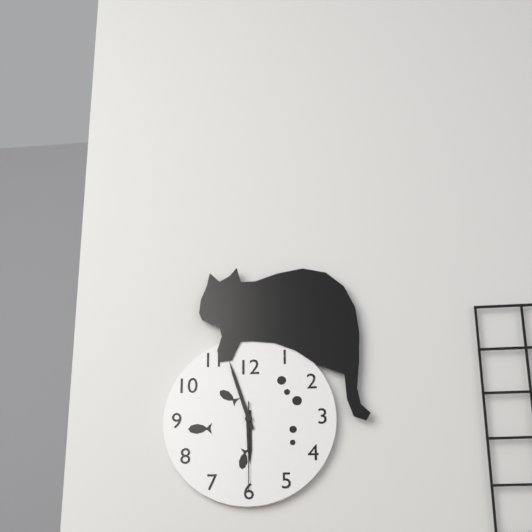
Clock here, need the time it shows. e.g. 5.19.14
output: 5.57.30
